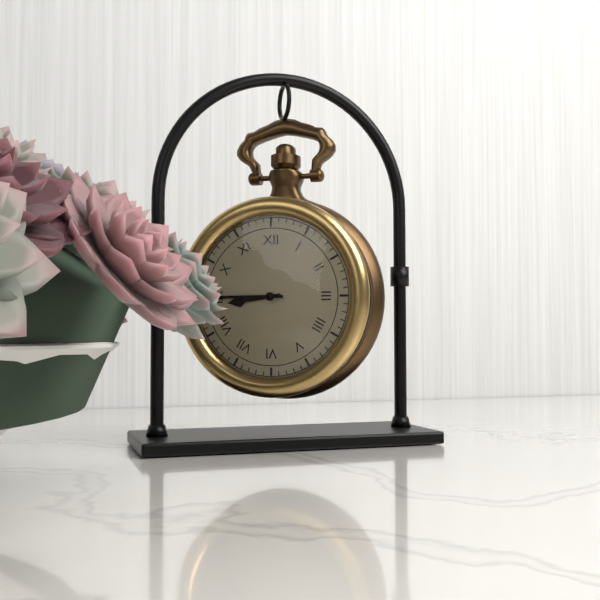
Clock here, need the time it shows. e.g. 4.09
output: 8.45
